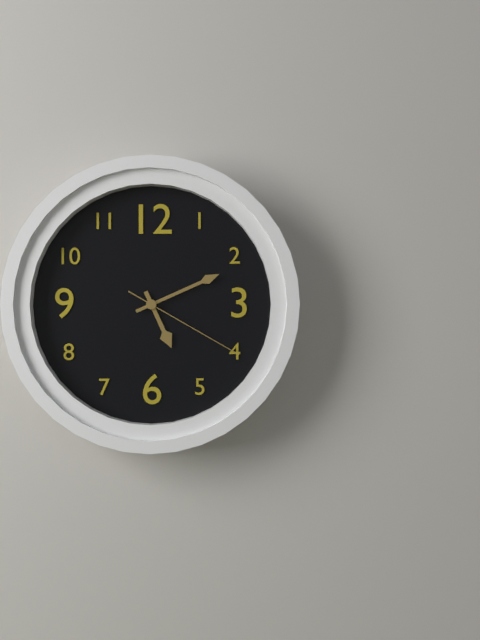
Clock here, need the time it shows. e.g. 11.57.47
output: 5.11.20
